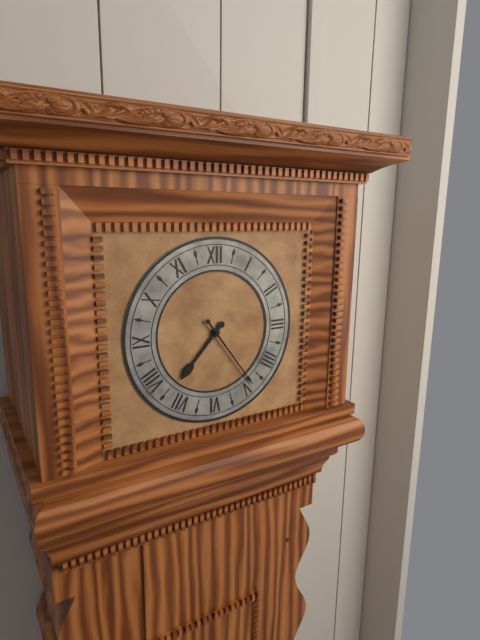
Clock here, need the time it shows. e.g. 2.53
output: 7.24
